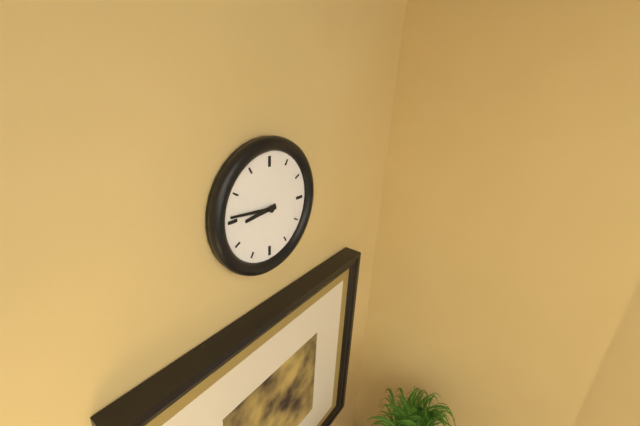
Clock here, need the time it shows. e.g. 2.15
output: 8.46
